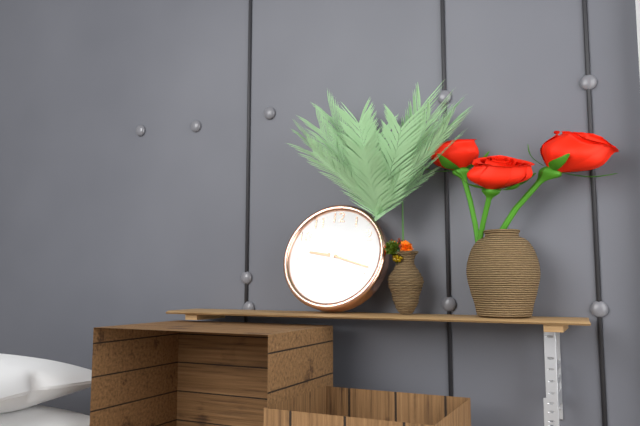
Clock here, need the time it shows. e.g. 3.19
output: 9.18
